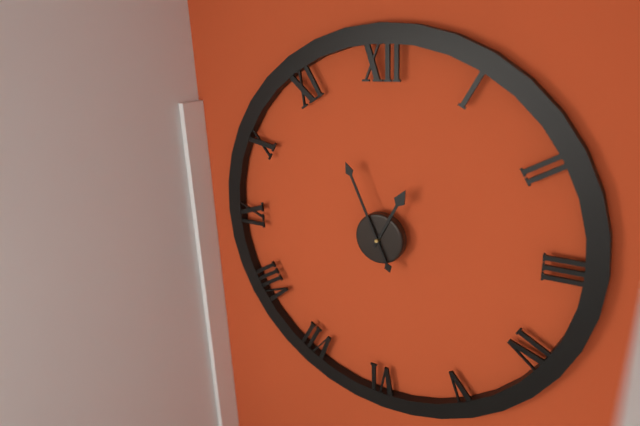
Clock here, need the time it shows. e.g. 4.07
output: 12.56
